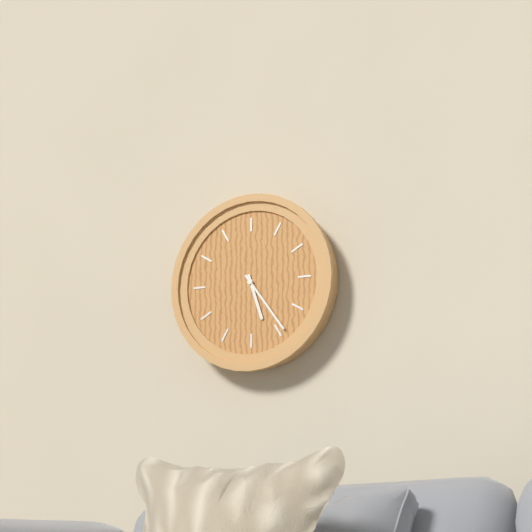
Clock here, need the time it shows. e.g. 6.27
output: 5.24
